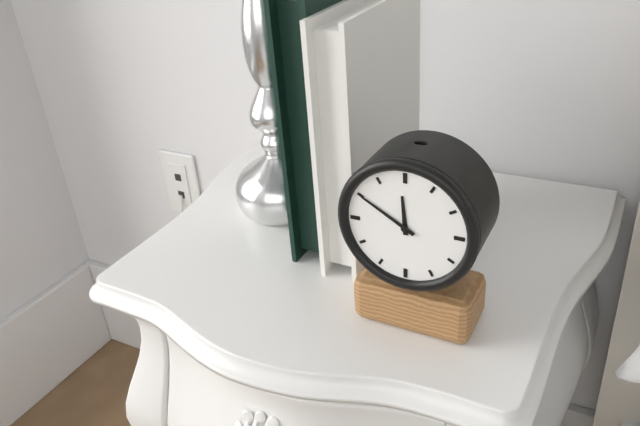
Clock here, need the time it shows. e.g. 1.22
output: 11.50
